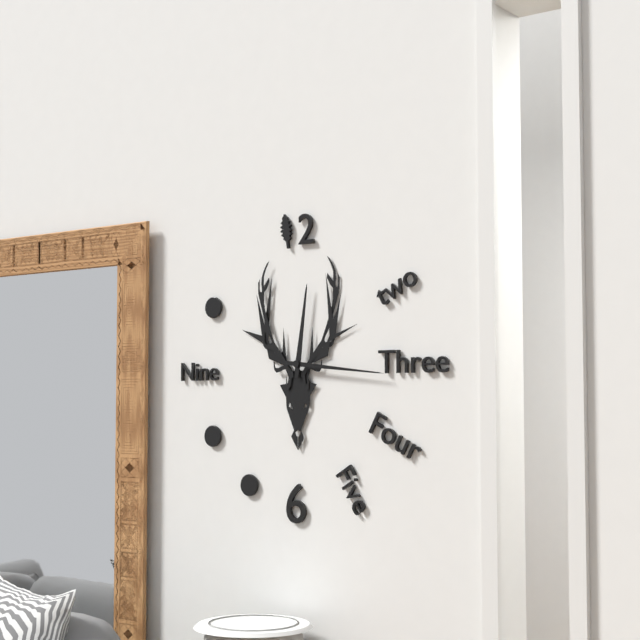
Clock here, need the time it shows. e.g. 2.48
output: 12.16
